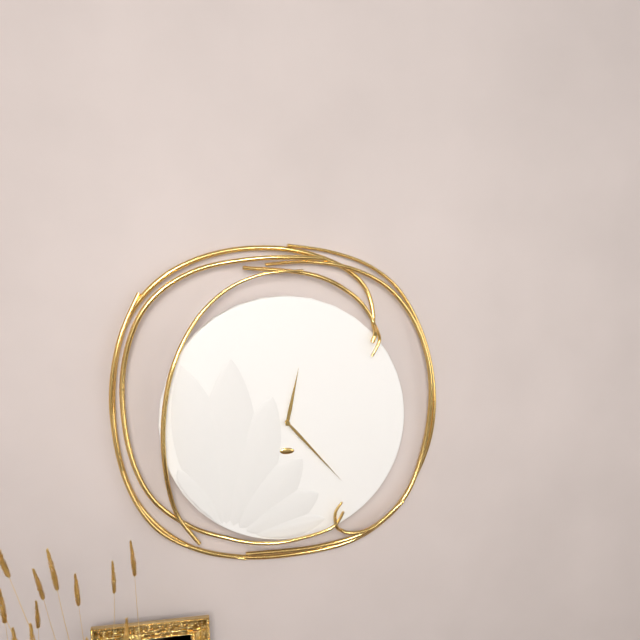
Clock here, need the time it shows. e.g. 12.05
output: 12.23
